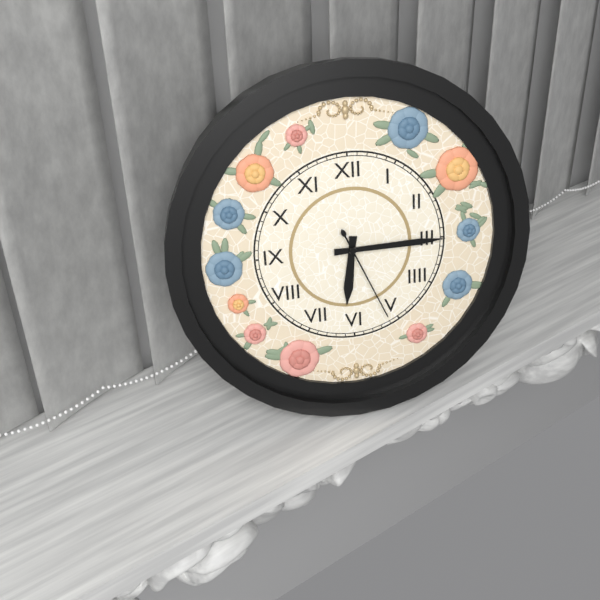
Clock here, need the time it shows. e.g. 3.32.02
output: 6.15.26
